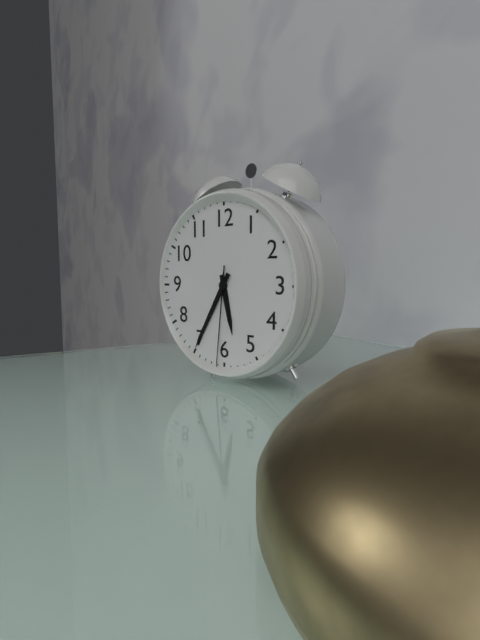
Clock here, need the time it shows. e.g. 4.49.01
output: 5.35.31
